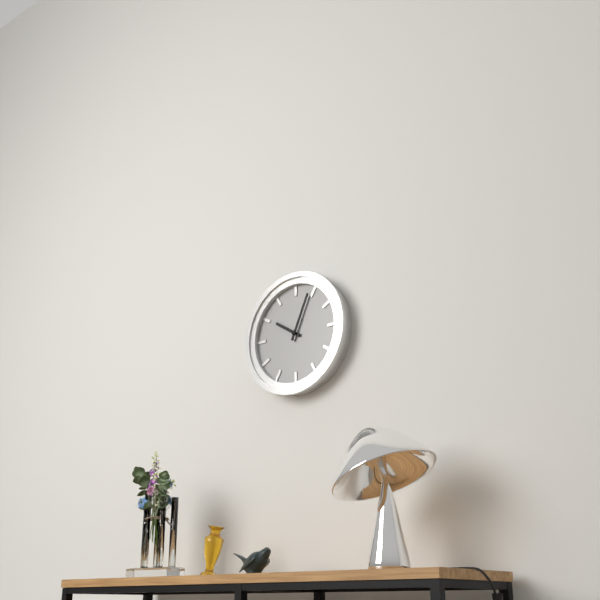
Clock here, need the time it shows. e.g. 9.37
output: 10.04
